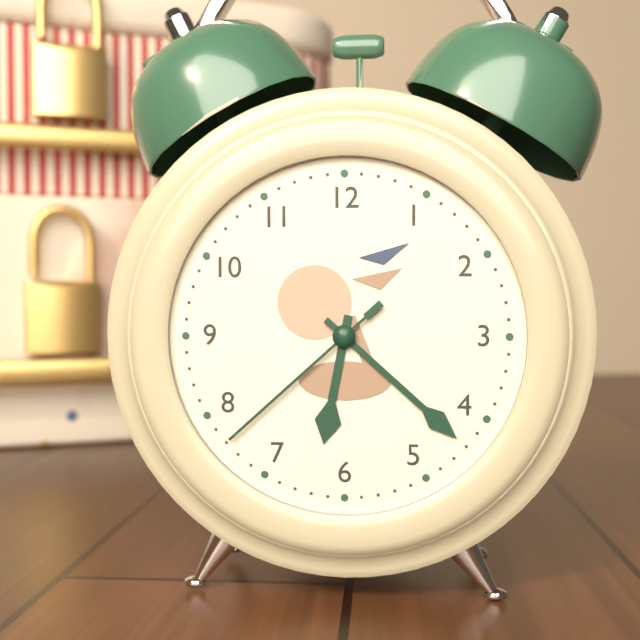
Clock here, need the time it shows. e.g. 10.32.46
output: 6.22.38
